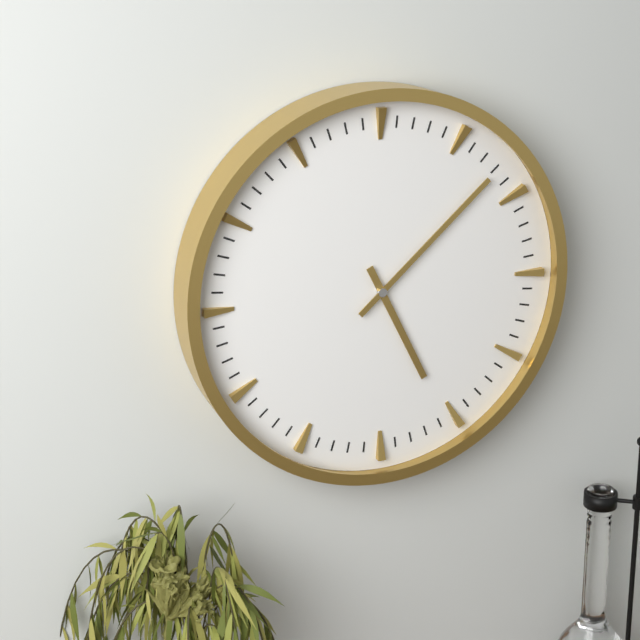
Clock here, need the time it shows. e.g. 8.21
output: 5.08
